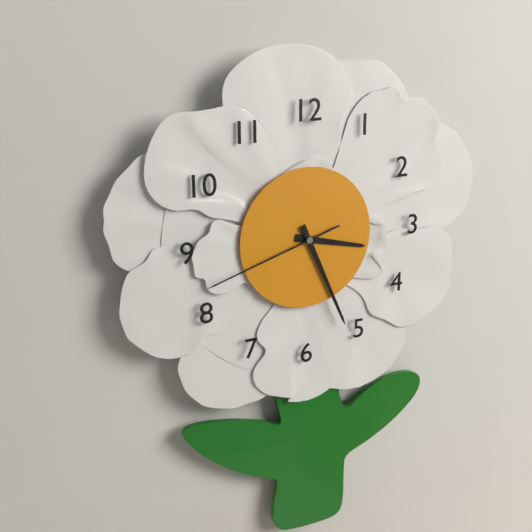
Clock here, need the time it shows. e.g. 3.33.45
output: 3.26.42
